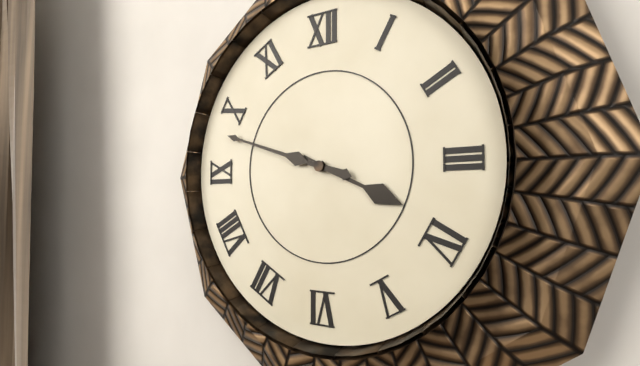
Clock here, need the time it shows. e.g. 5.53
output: 3.48
